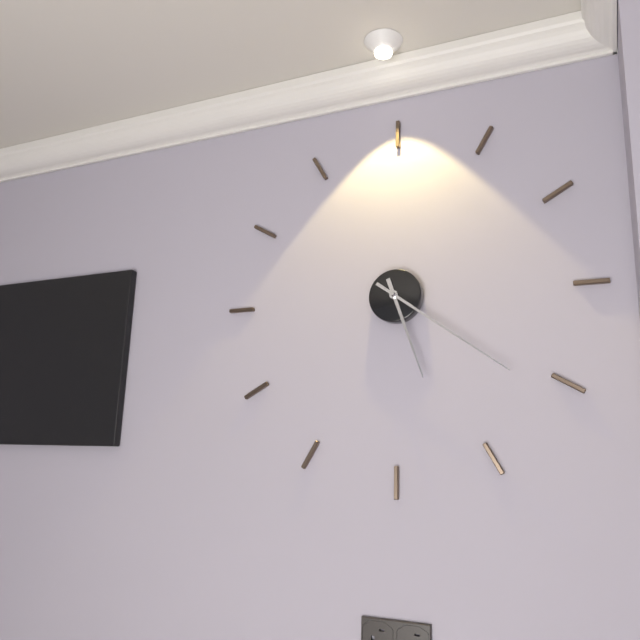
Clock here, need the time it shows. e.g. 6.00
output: 5.21
